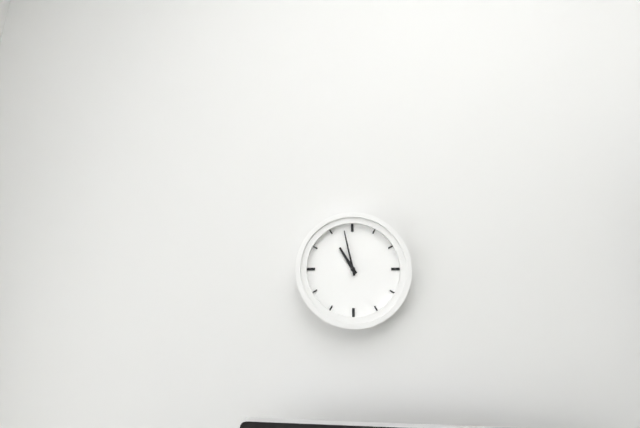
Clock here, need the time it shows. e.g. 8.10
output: 10.58
